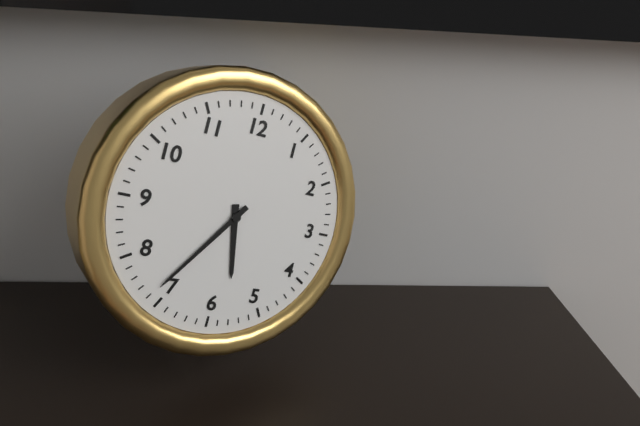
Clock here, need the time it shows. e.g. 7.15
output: 5.36
